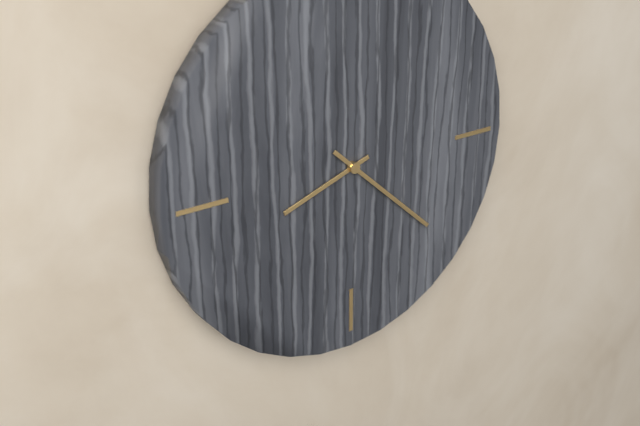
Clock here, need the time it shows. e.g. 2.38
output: 8.22
